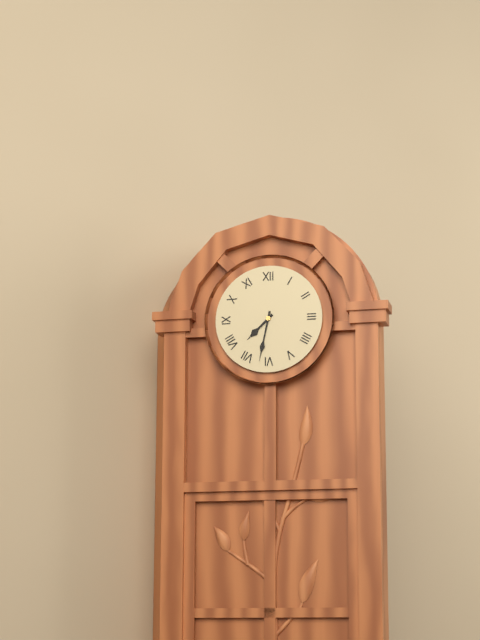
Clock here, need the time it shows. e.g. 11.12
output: 7.32
